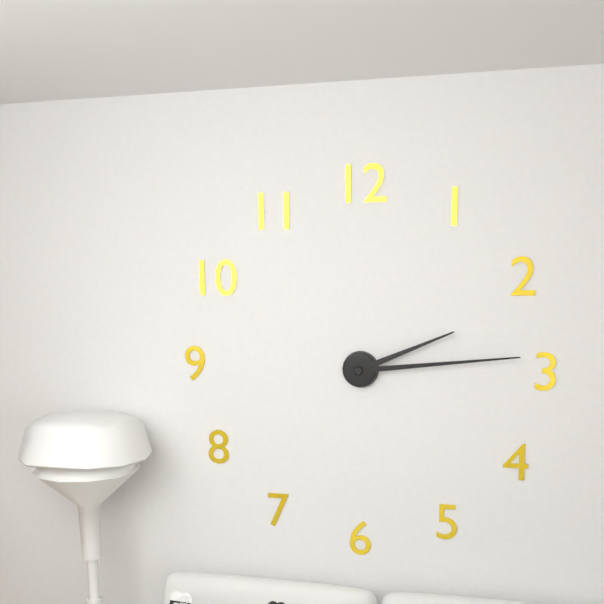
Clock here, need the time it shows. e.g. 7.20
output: 2.14
